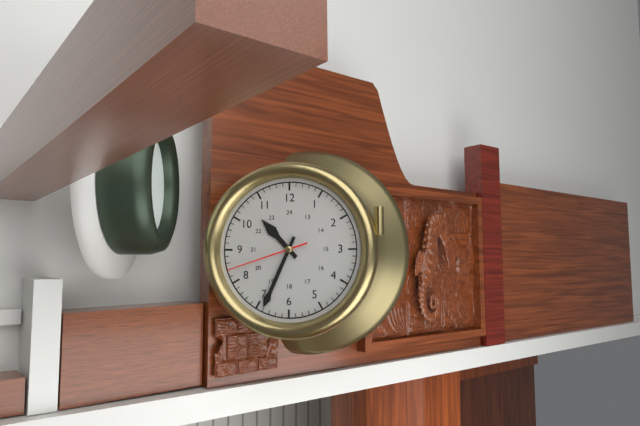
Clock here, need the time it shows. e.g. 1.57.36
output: 10.34.42
